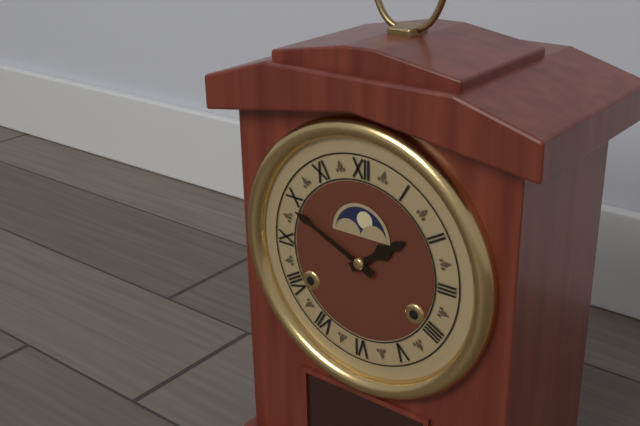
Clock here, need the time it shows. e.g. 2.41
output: 1.49
